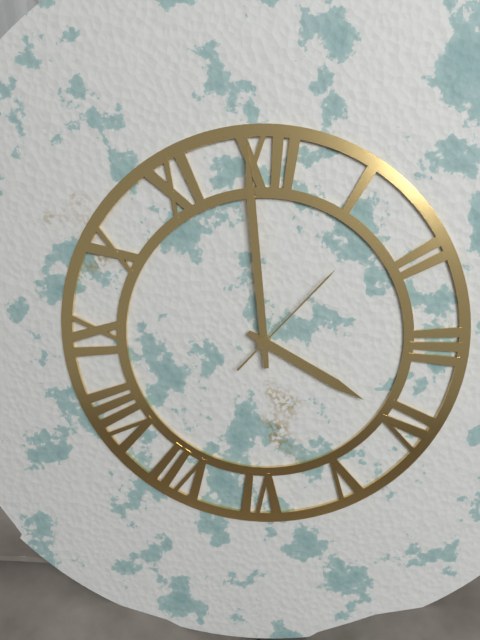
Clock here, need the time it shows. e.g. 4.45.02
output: 3.59.07
